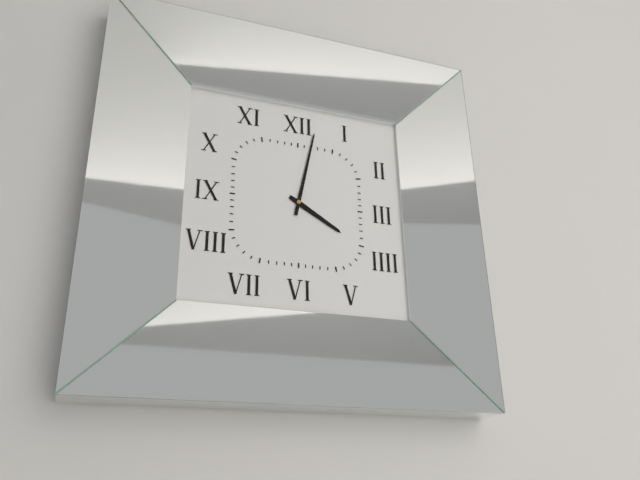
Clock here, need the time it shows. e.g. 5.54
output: 4.02
